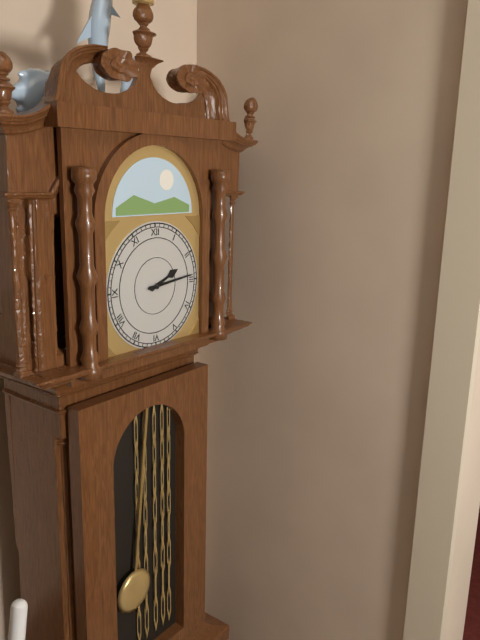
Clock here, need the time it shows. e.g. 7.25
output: 2.14
